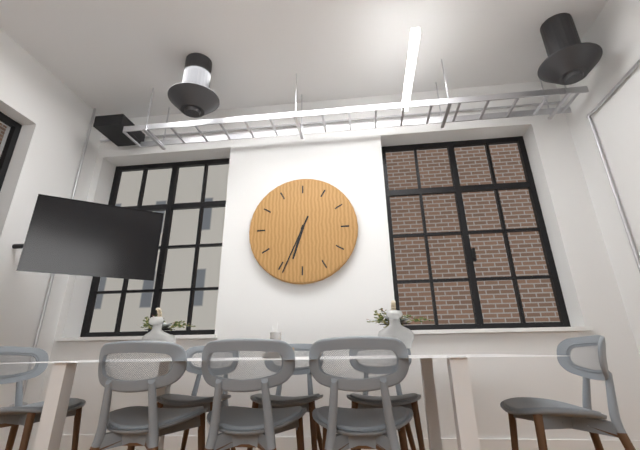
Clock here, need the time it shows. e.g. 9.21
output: 6.34
